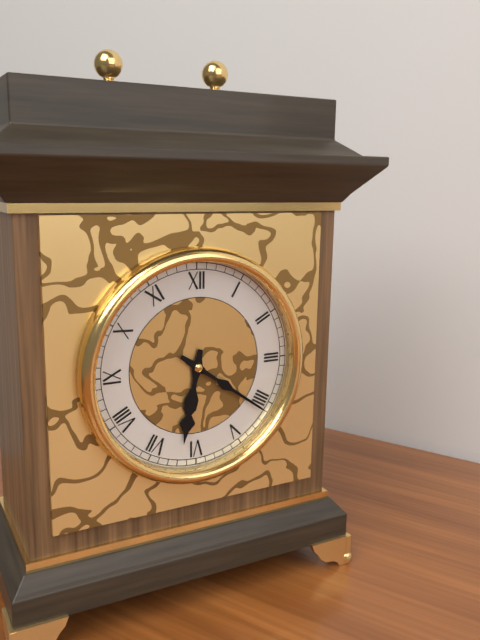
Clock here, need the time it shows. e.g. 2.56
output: 6.21
